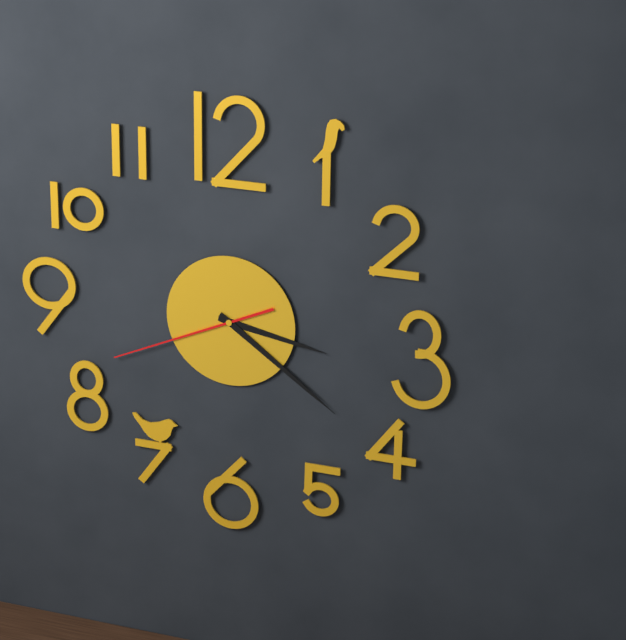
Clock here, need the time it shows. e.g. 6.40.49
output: 3.21.41
